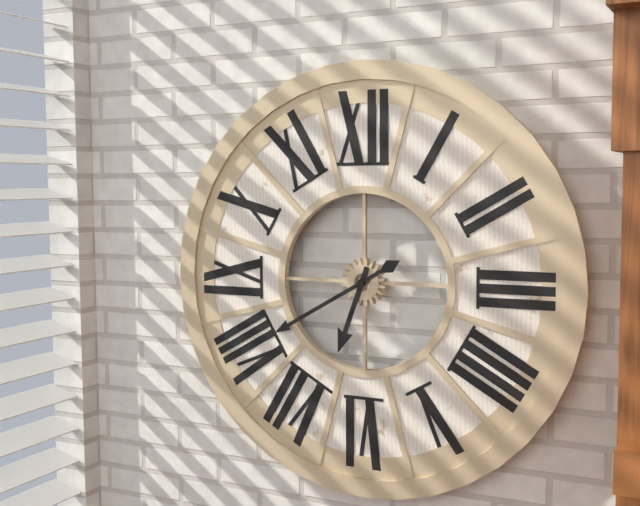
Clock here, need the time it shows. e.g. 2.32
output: 6.40
